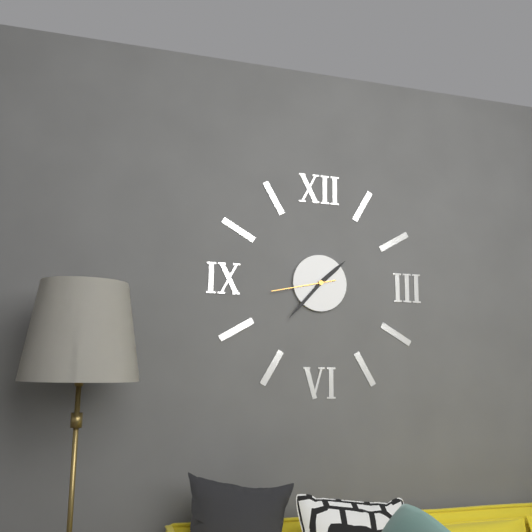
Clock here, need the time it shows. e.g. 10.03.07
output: 1.37.43
